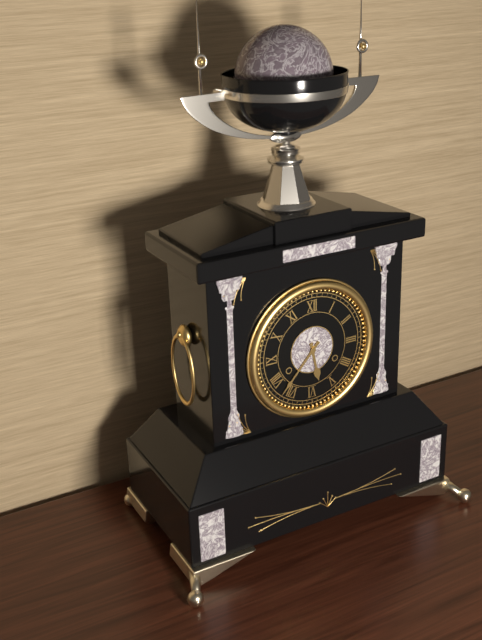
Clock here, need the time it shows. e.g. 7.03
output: 5.37
